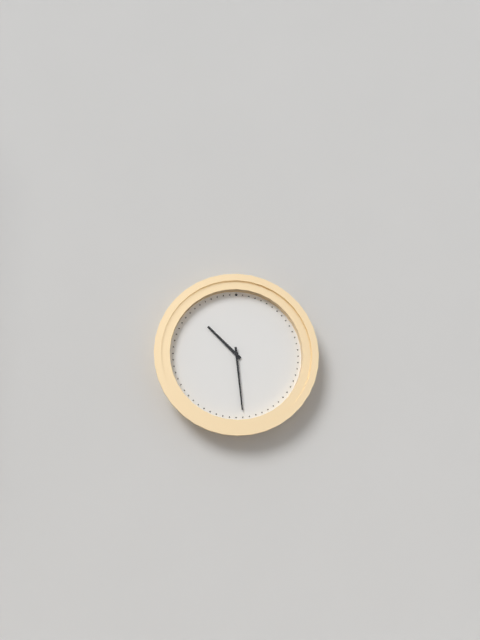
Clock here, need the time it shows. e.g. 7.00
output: 10.29
